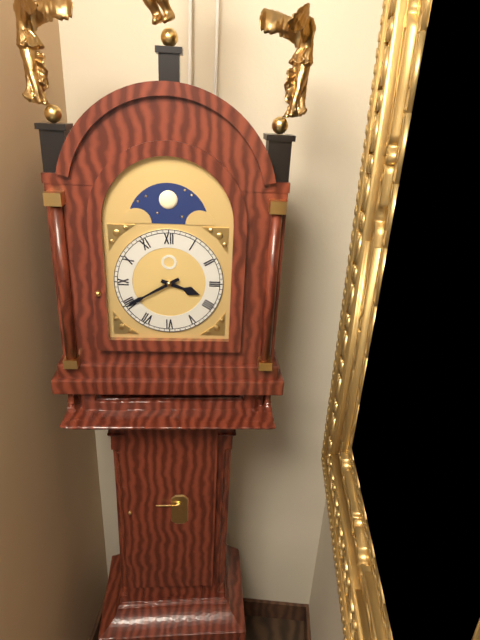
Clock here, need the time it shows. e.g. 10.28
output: 3.40
